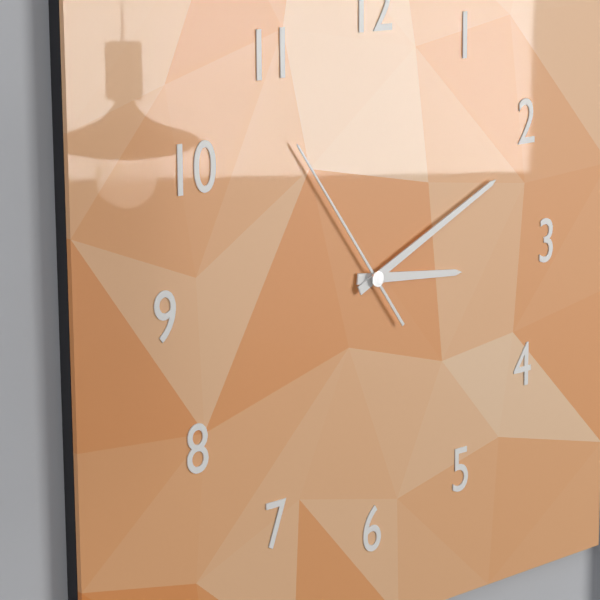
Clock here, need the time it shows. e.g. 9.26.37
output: 3.11.54
